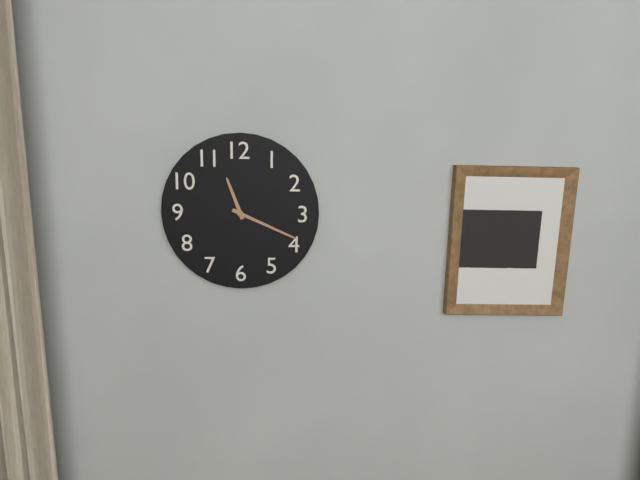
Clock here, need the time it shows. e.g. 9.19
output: 11.19
